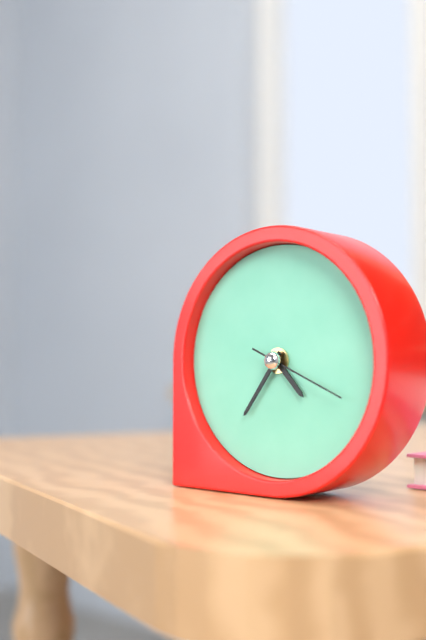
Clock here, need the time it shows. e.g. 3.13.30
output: 4.36.19
